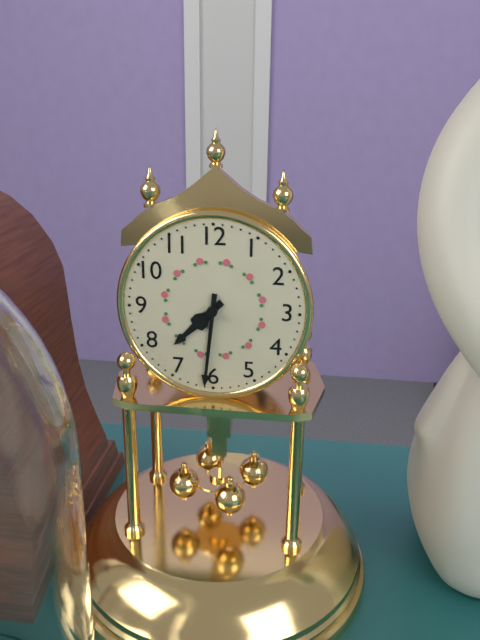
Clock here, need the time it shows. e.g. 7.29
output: 7.31
